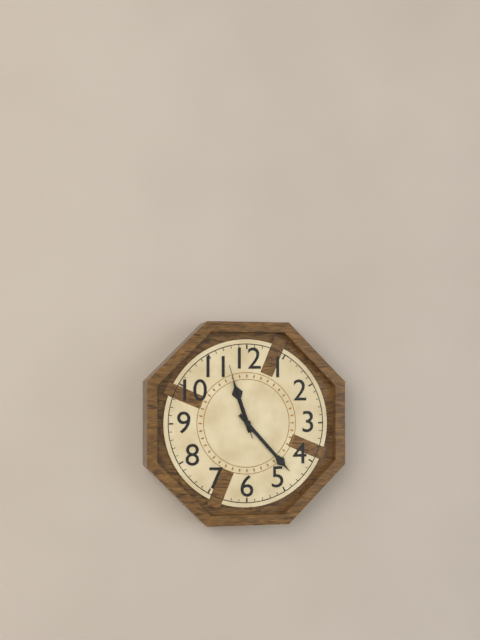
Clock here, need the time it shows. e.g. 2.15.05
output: 11.23.57
